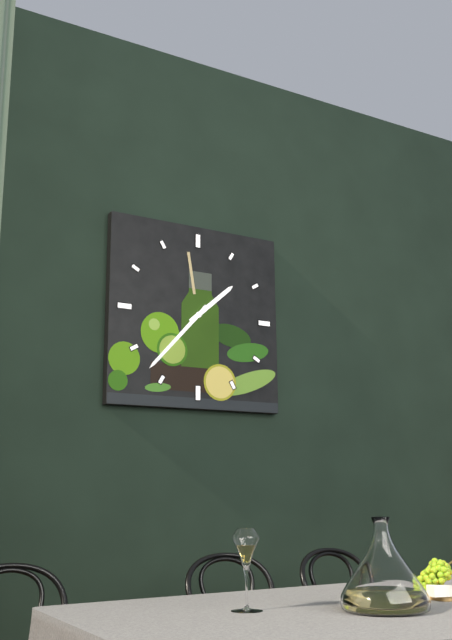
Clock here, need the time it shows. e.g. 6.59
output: 1.37
